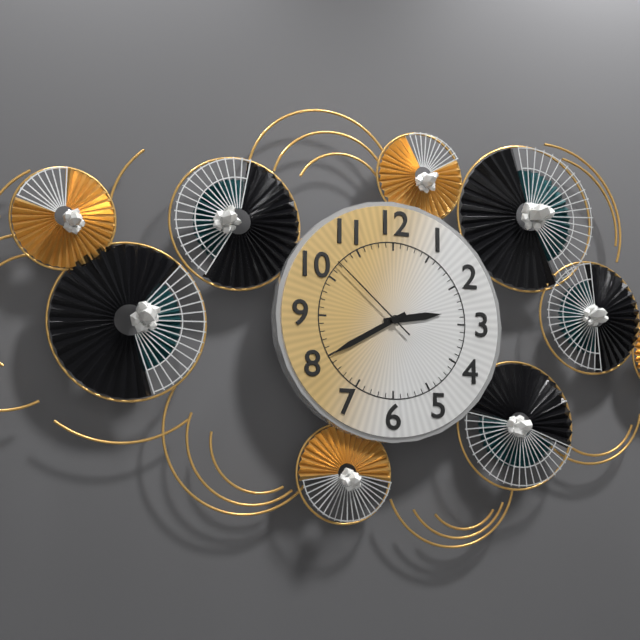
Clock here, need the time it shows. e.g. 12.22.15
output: 2.40.52
